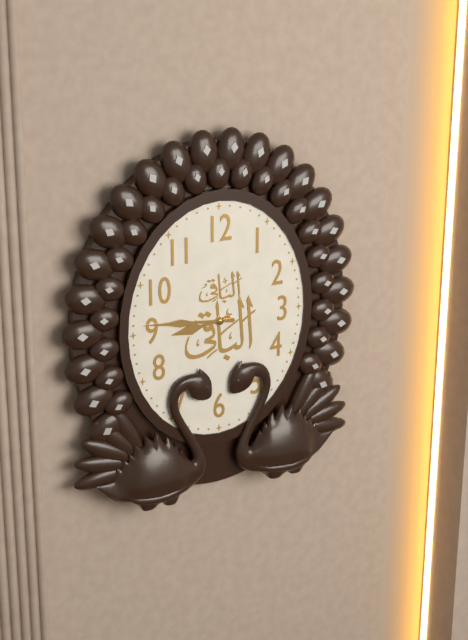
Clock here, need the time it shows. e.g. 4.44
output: 8.46
